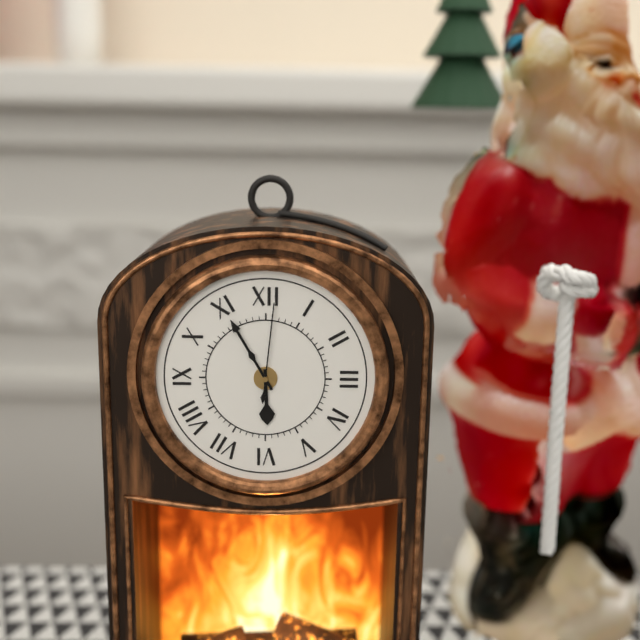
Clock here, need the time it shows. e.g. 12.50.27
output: 5.55.01
